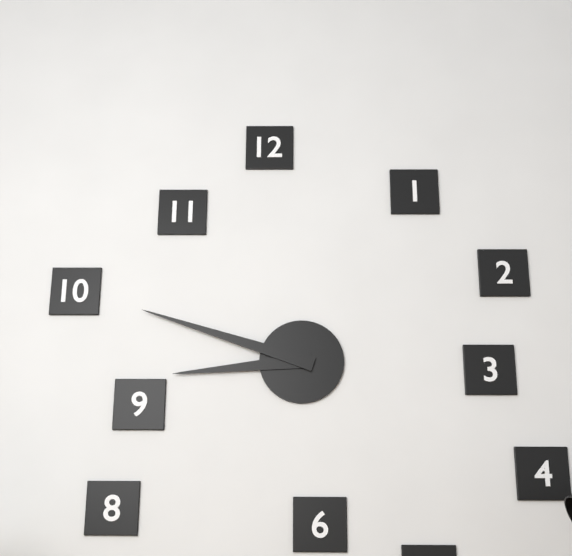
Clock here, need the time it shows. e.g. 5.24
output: 8.48
